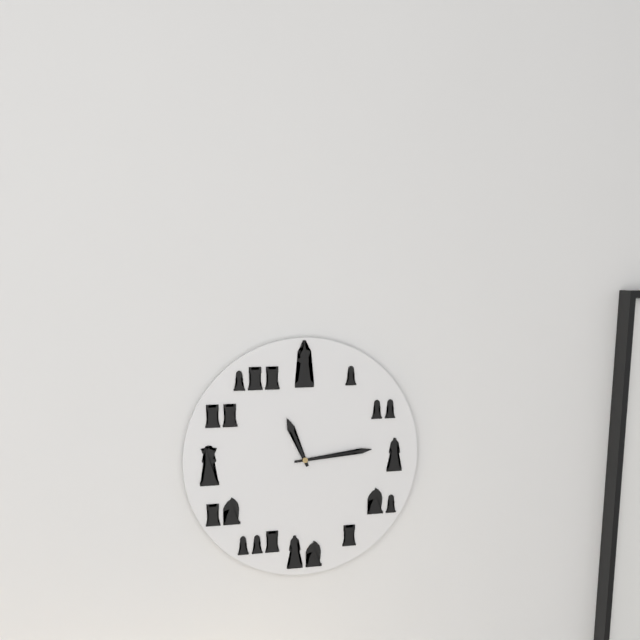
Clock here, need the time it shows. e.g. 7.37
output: 11.14
